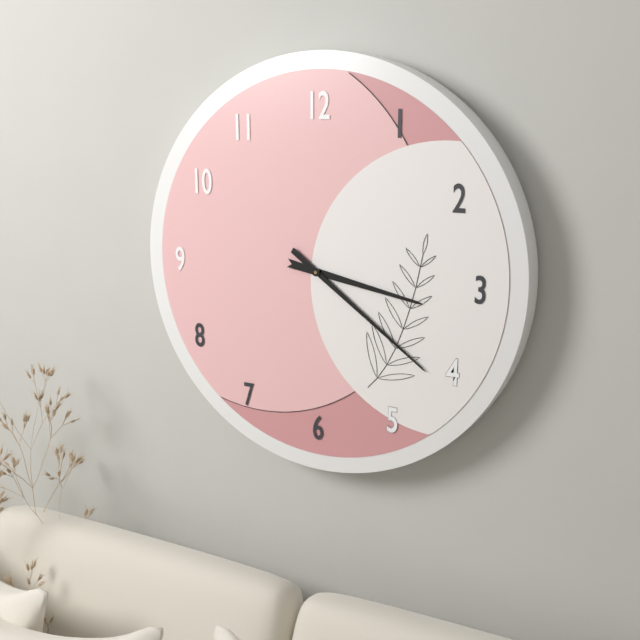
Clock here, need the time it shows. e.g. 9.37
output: 3.21
